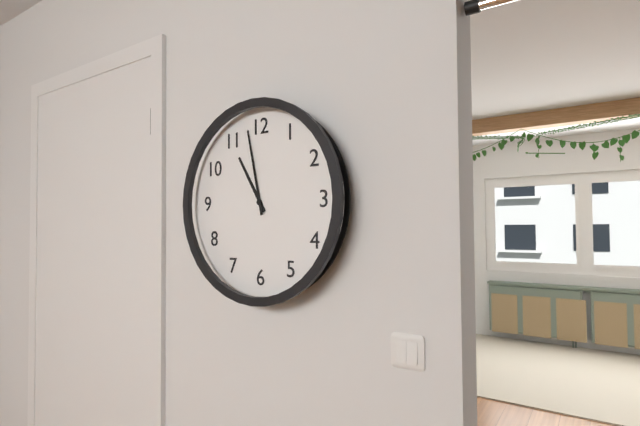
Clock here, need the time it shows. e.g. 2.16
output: 10.58
